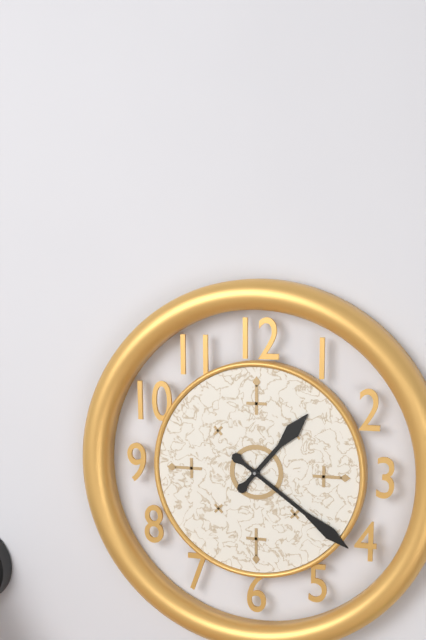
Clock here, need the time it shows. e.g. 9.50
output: 1.21
